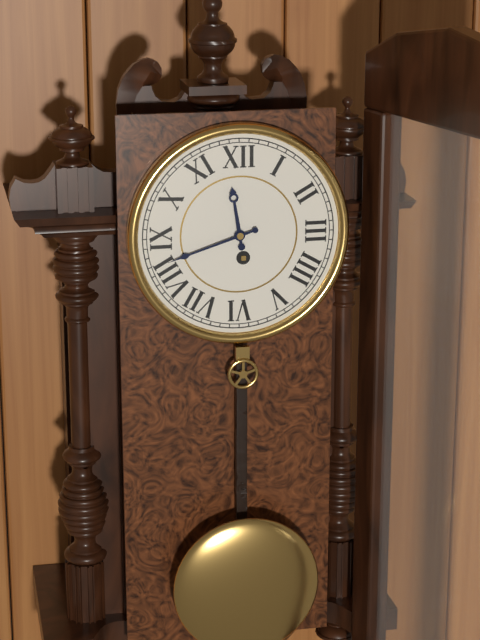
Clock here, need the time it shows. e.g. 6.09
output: 11.42
